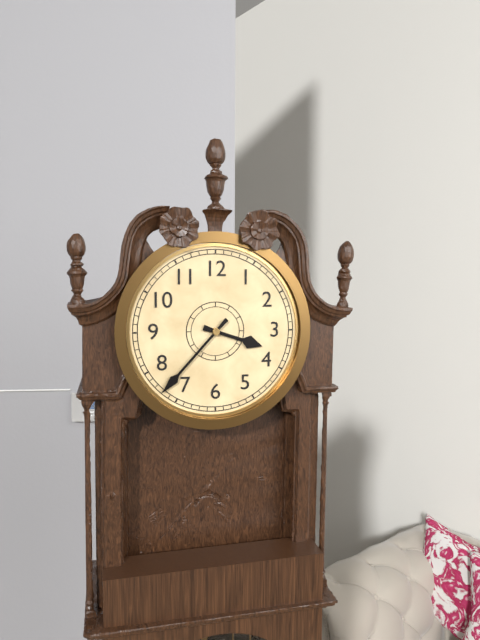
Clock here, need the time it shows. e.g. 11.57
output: 3.37
